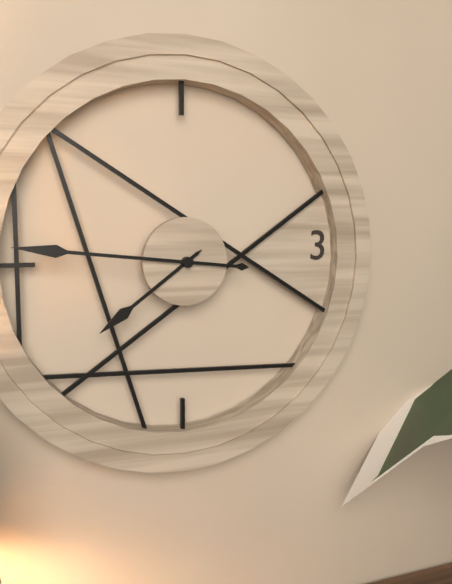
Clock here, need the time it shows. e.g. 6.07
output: 7.46
